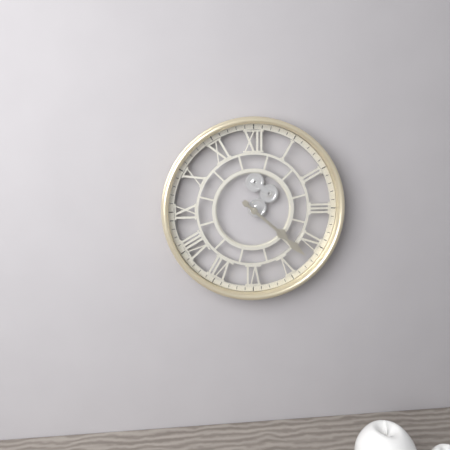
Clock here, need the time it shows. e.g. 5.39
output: 4.22
